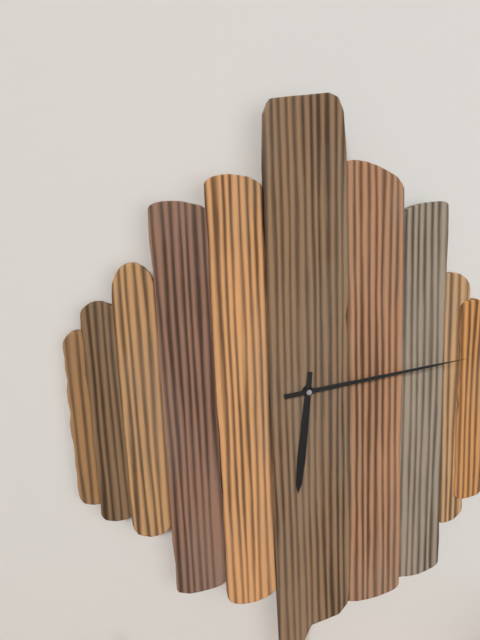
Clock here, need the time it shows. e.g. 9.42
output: 6.14
